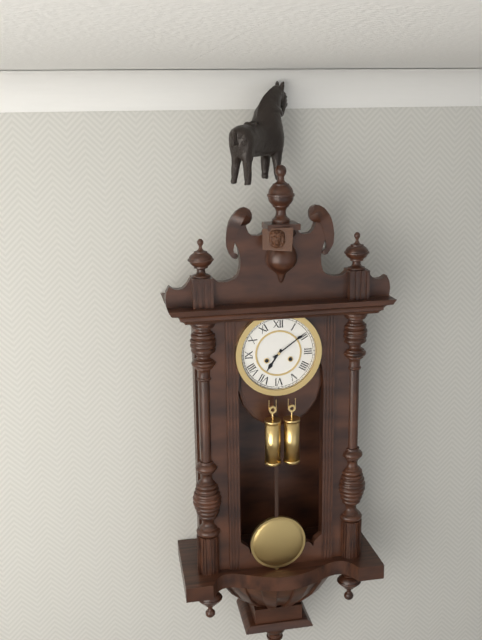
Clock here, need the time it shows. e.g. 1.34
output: 7.09
